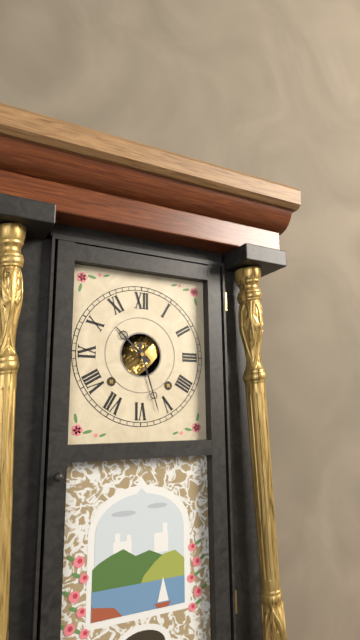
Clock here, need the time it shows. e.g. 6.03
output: 10.27
